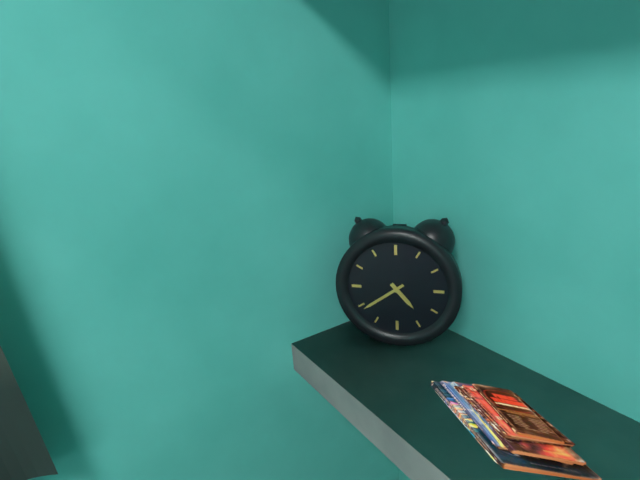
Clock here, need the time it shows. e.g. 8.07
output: 4.39
